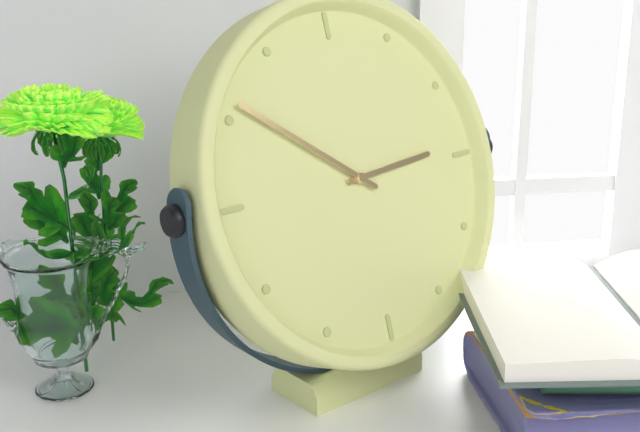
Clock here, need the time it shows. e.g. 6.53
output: 2.51
